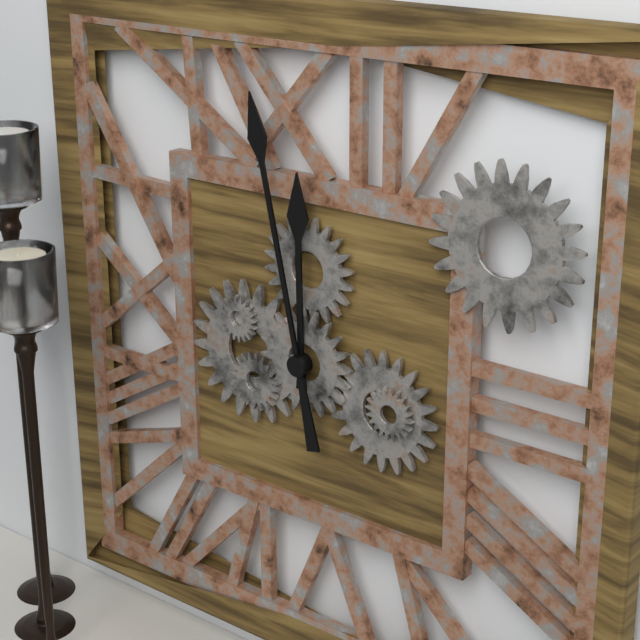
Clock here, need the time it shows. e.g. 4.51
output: 11.58
